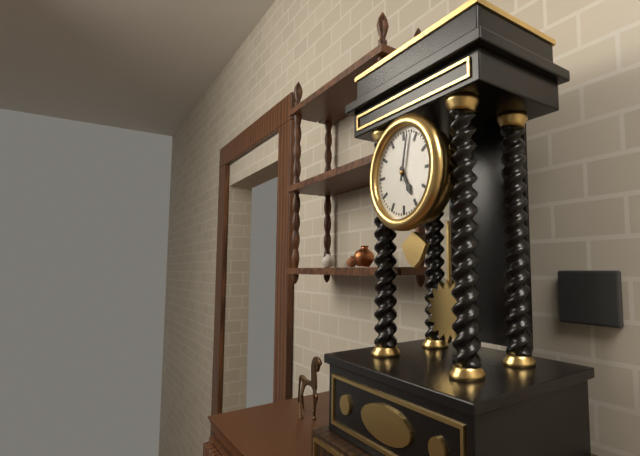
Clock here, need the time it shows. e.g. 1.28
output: 5.02
